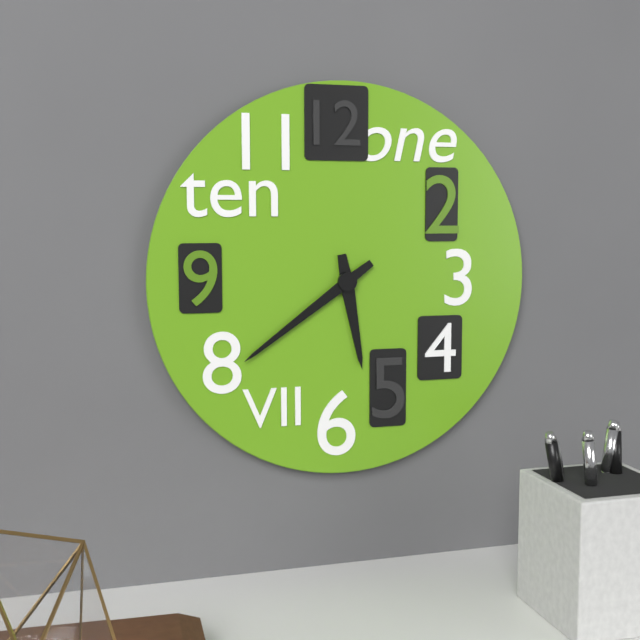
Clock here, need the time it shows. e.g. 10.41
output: 5.39
